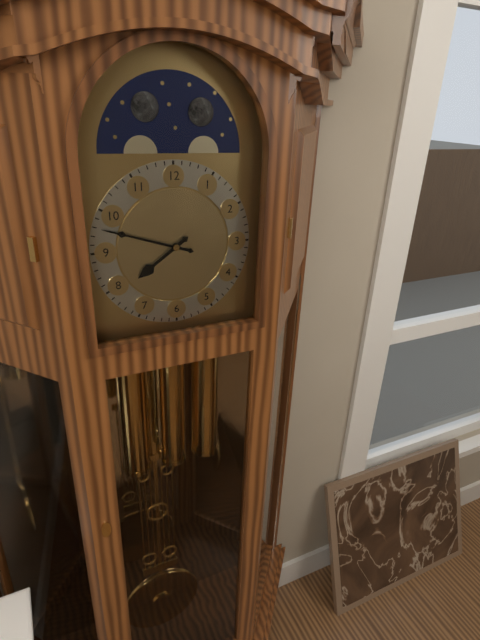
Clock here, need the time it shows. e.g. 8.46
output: 7.48
